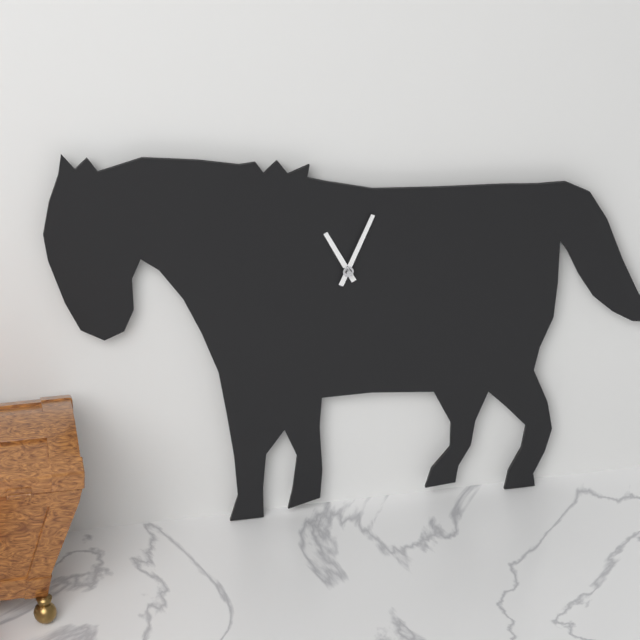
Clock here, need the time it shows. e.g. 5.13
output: 11.04
